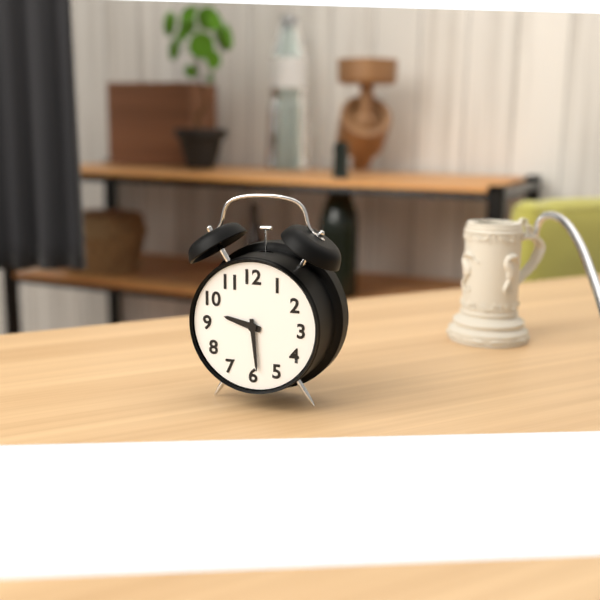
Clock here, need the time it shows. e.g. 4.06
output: 9.29
